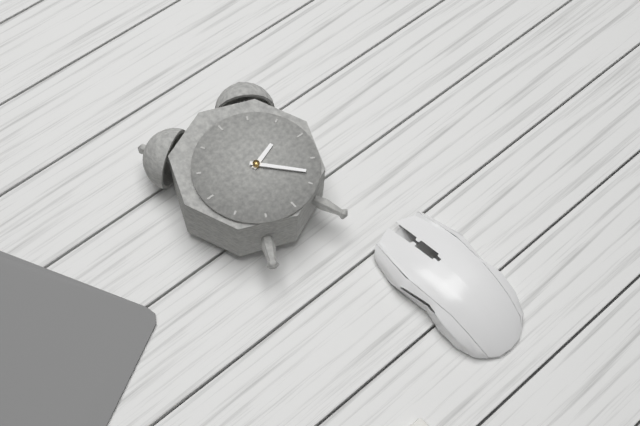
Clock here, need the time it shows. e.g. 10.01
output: 2.23
